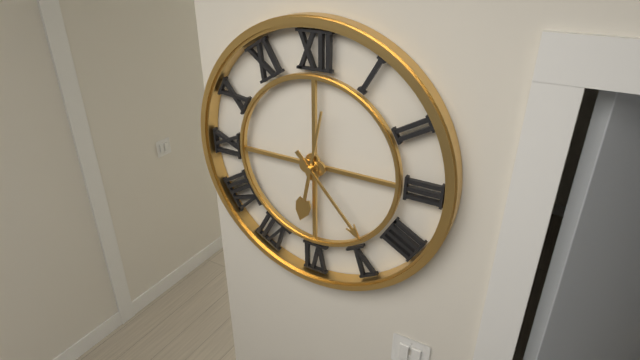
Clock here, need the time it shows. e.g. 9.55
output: 6.23
